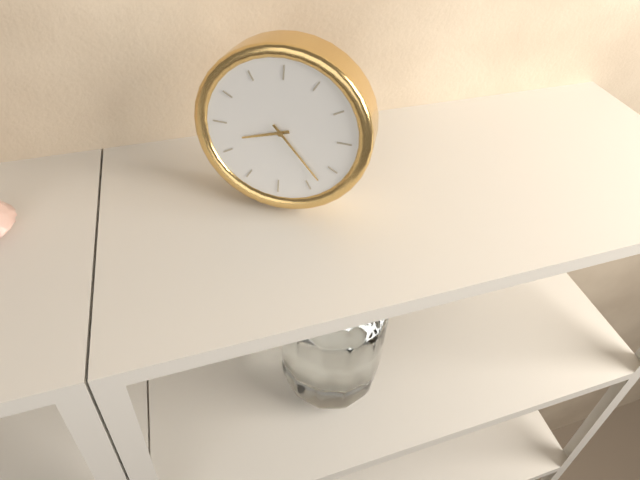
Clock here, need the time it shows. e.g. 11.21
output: 8.23
